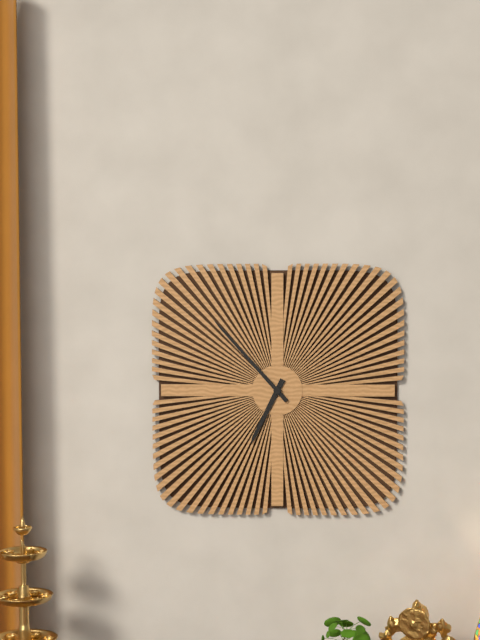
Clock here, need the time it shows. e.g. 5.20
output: 6.53
